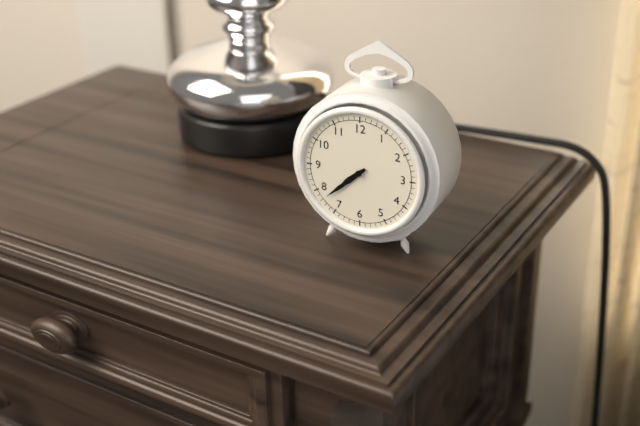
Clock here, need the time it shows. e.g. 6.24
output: 7.38
